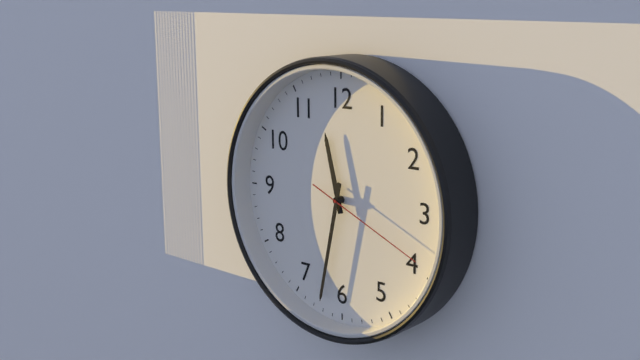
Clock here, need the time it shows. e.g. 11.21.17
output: 11.32.19
